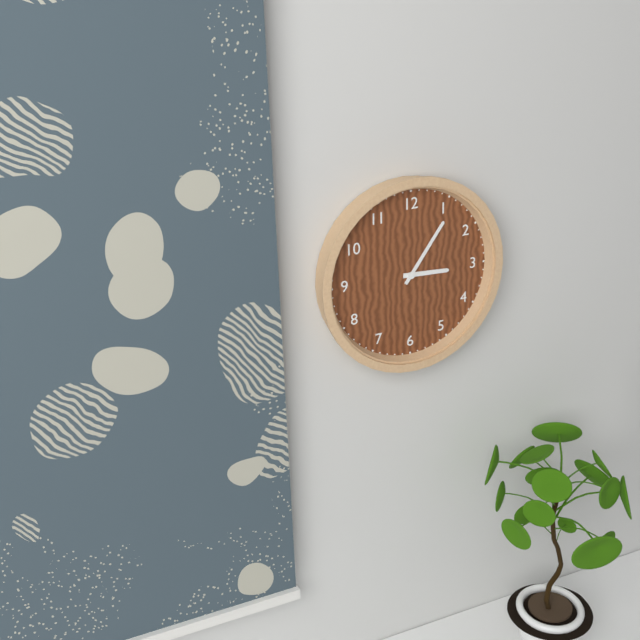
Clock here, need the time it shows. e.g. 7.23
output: 3.06
